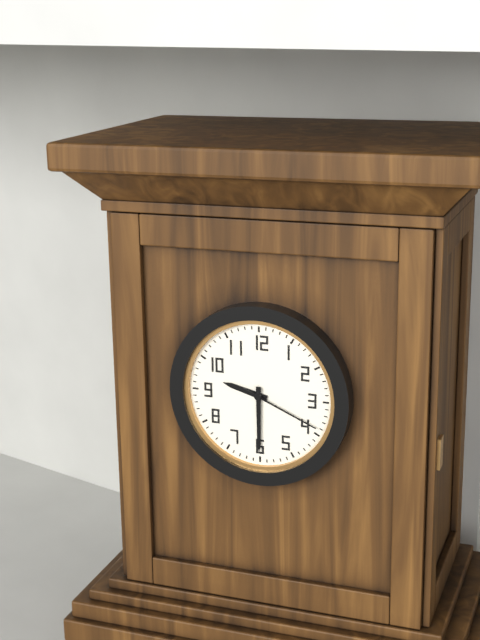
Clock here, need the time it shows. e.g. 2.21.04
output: 9.30.19
